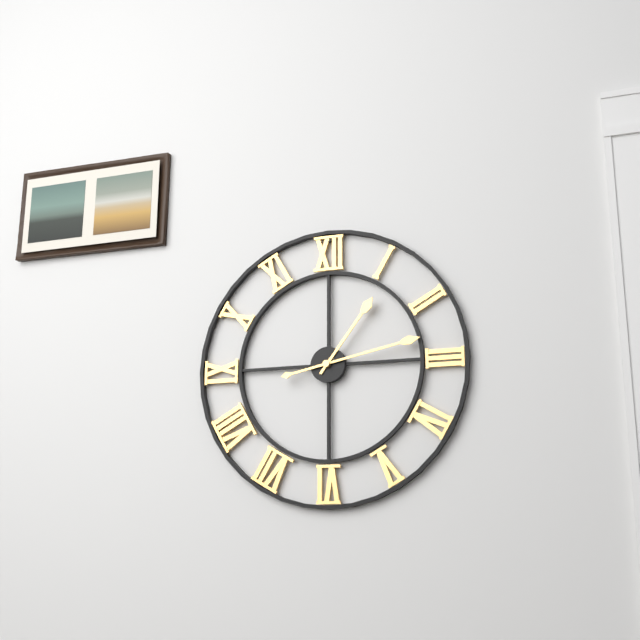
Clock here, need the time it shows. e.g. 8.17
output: 1.13
